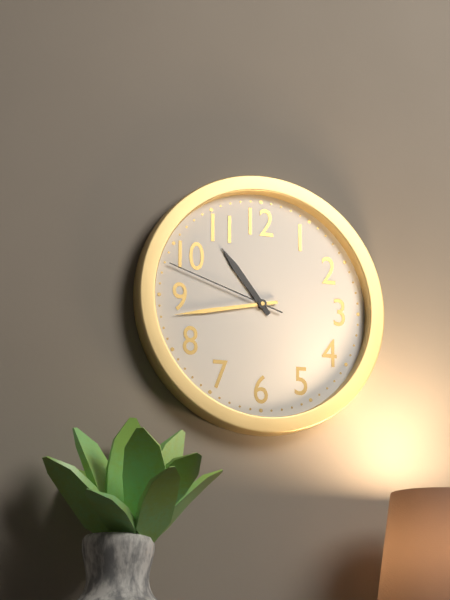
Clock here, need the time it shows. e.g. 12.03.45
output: 10.43.48
